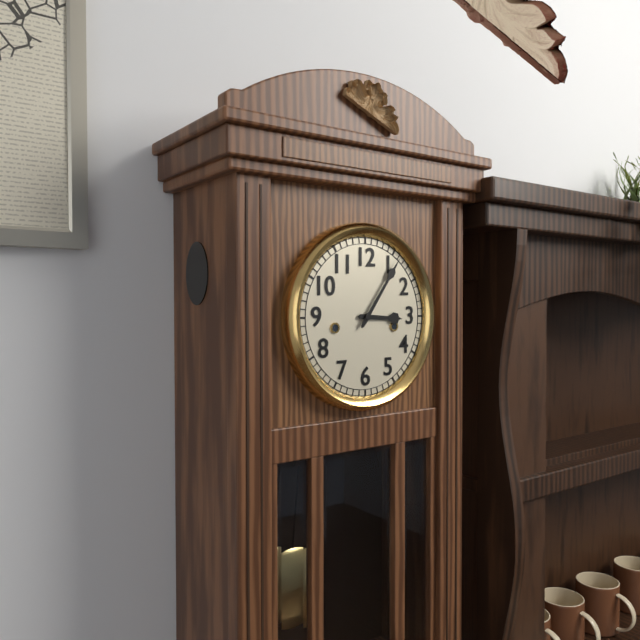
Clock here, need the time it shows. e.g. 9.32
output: 3.06
